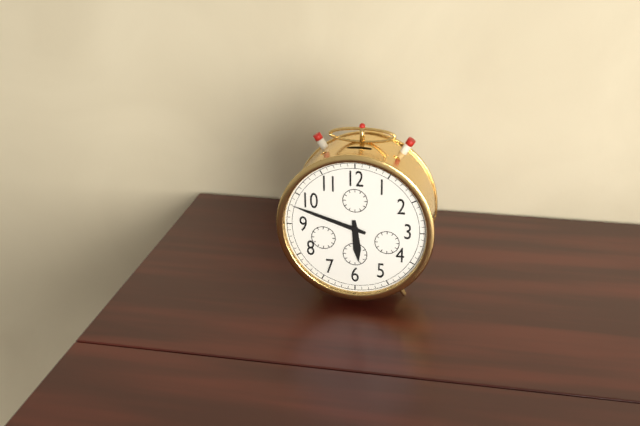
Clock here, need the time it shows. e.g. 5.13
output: 5.48
